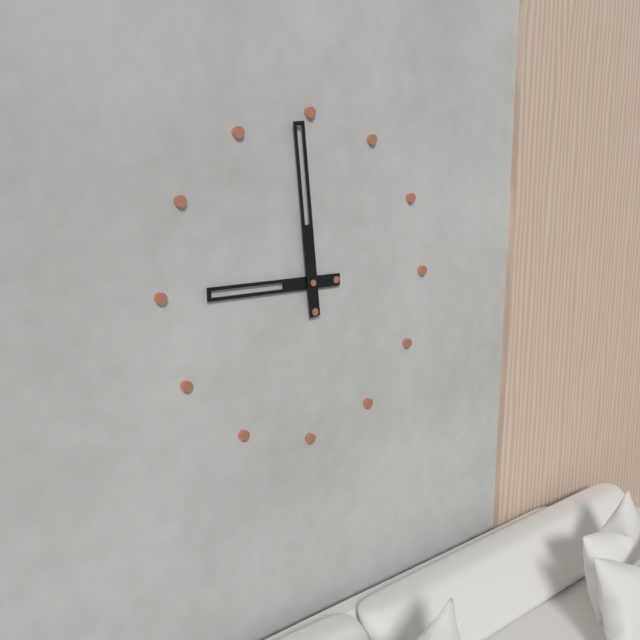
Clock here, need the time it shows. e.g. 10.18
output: 8.59
